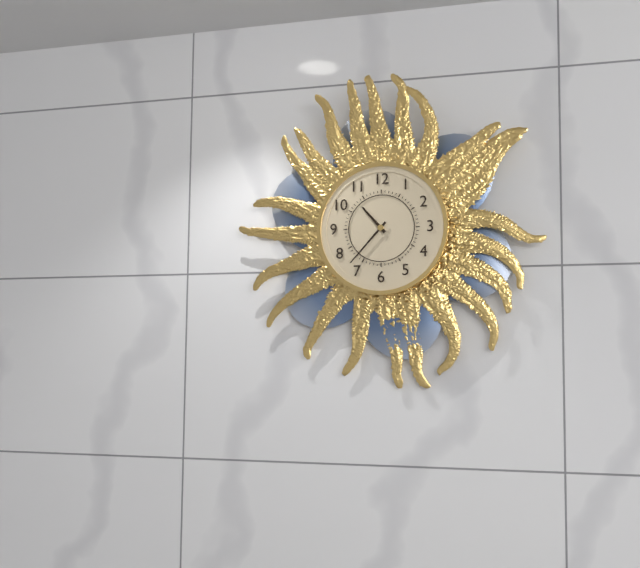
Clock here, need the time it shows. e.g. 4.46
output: 10.37
